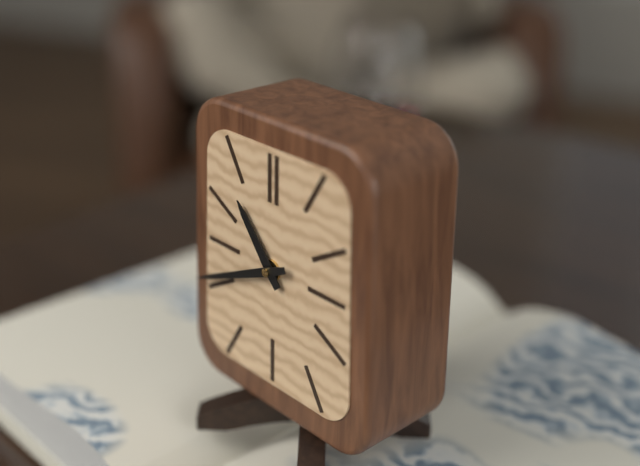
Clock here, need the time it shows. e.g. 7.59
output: 10.41
